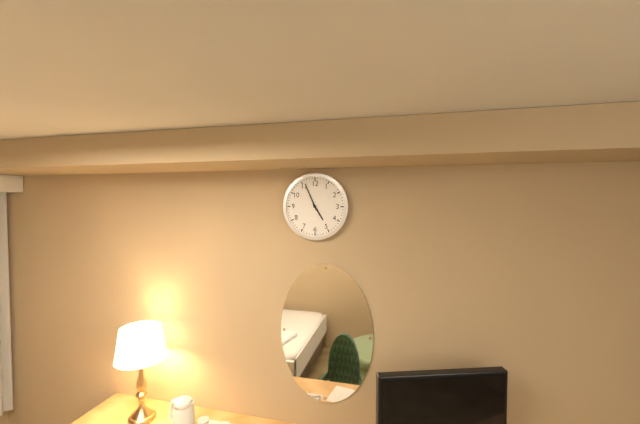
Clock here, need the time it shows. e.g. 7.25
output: 4.56
